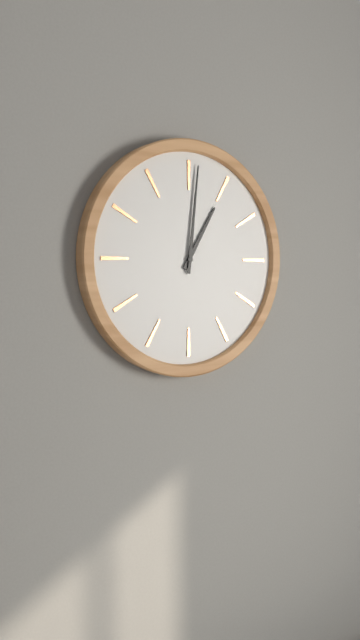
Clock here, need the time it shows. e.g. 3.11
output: 1.01
